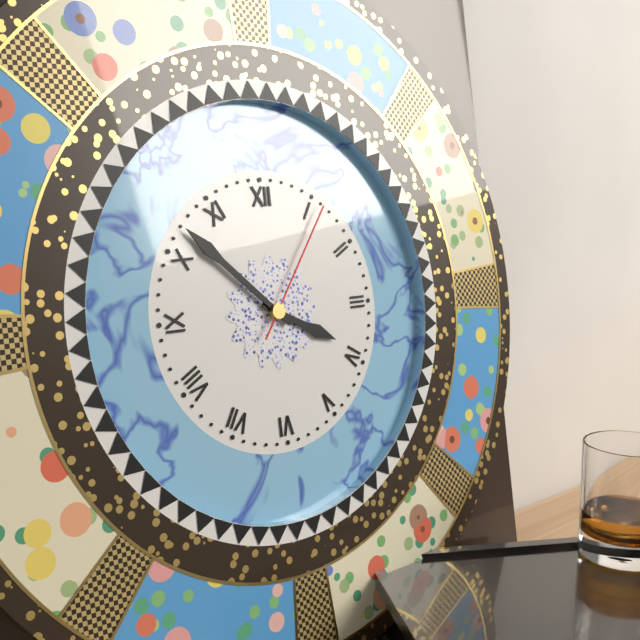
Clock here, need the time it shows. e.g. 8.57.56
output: 3.52.06
